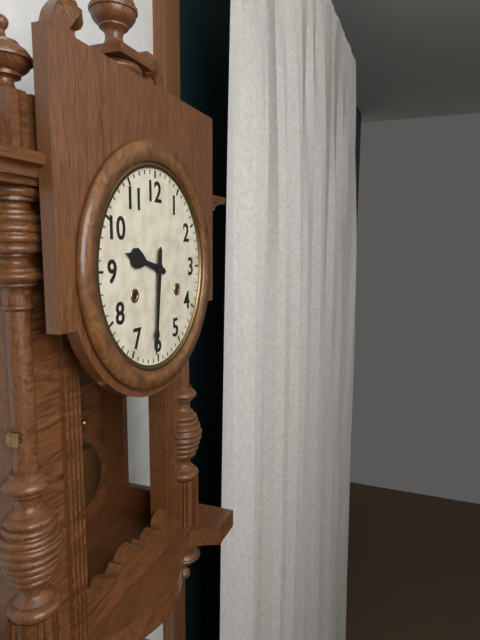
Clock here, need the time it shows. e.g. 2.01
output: 9.31
